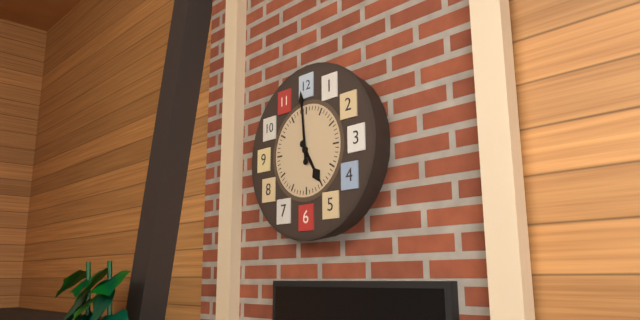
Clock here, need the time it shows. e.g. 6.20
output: 4.59
